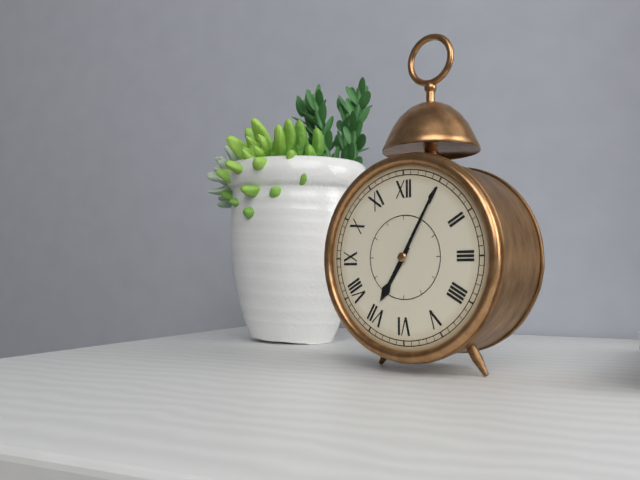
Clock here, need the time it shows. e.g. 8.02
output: 7.05
